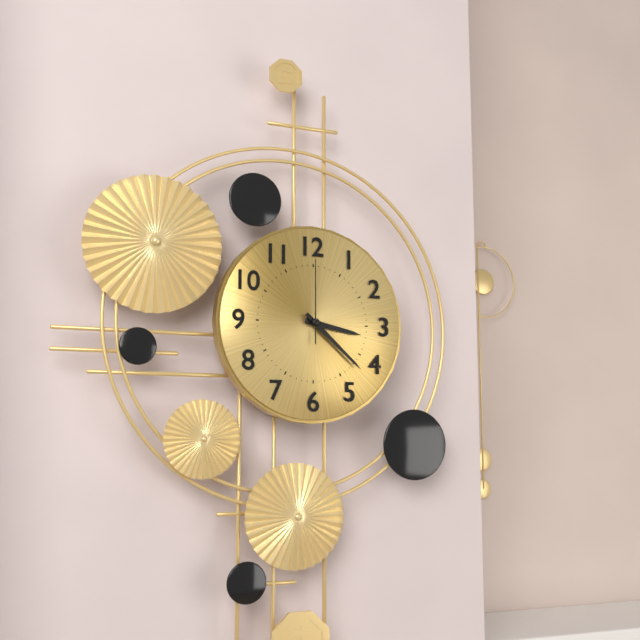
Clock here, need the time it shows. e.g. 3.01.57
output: 3.22.00
